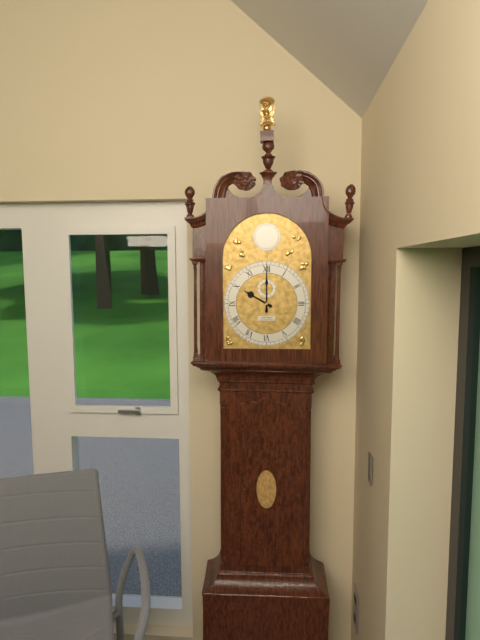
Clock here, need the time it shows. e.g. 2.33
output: 10.00
